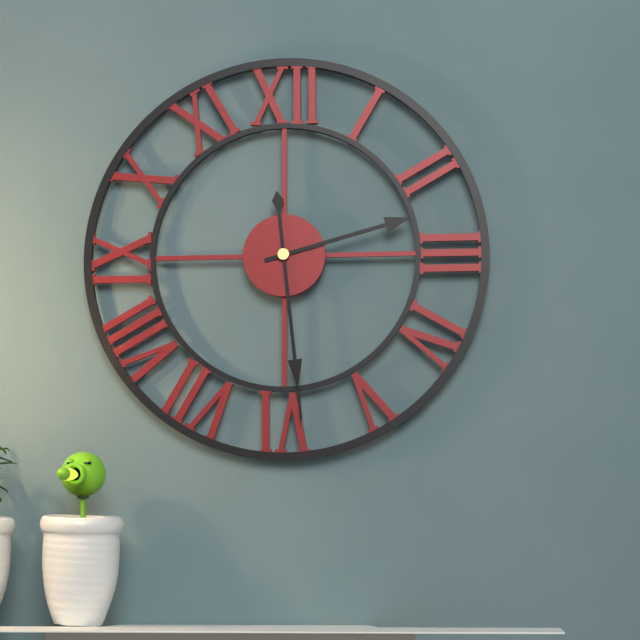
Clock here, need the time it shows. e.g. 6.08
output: 2.29
